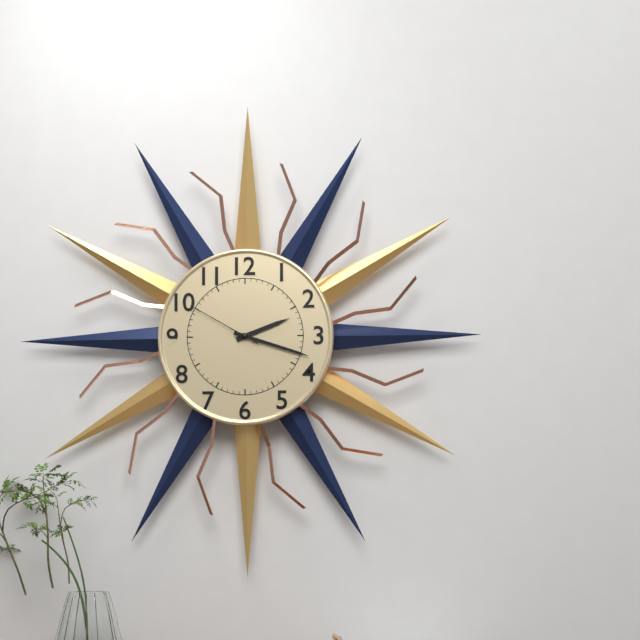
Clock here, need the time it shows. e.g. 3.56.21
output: 2.18.50
